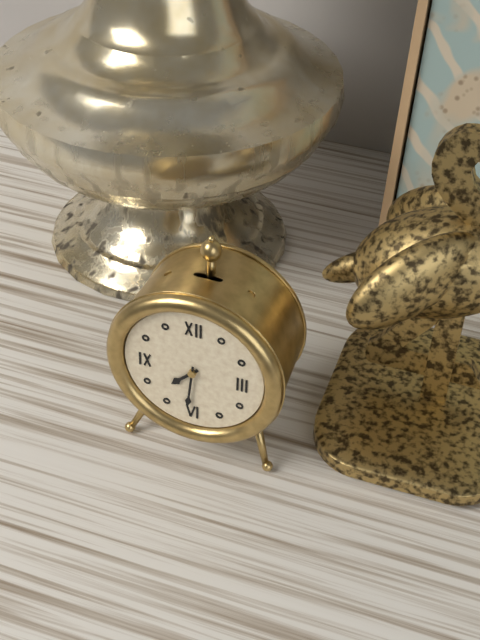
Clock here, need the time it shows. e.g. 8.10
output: 7.31
